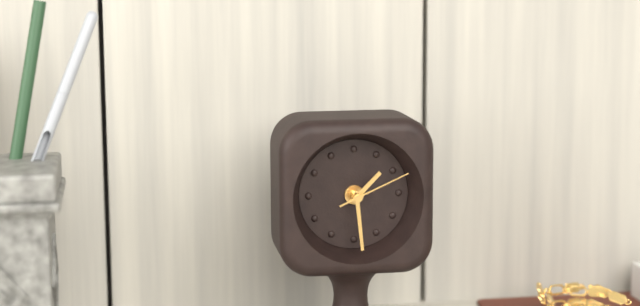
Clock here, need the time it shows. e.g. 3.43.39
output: 1.29.11
